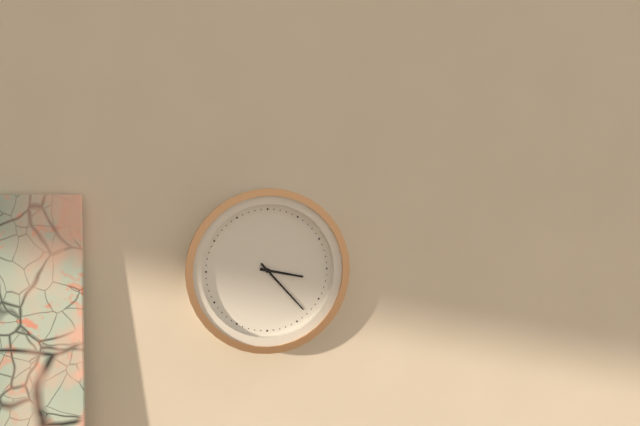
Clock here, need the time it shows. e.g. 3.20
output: 3.23
